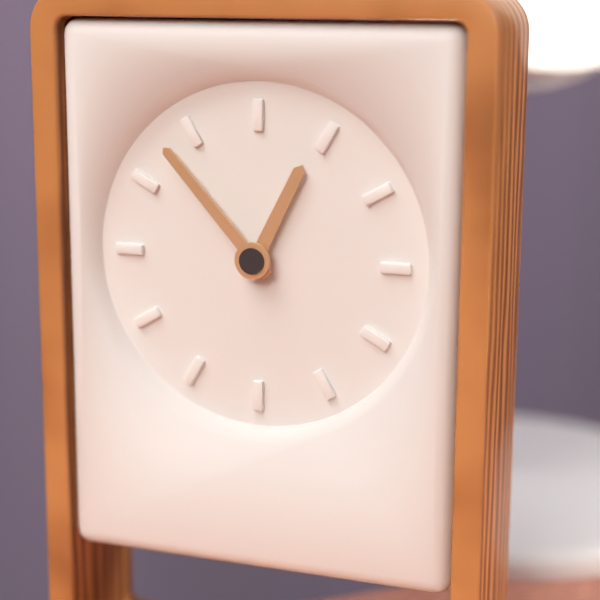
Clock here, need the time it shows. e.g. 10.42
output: 12.53
